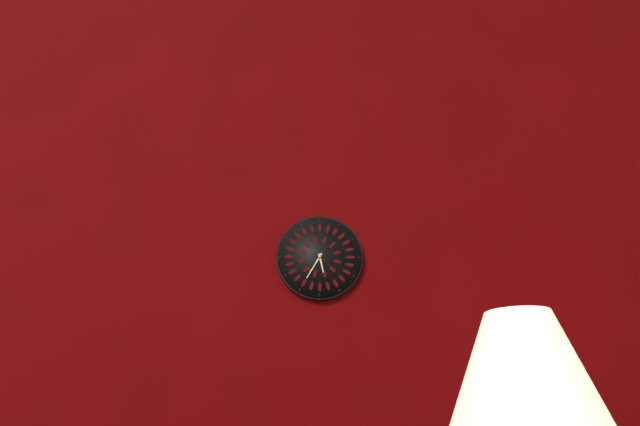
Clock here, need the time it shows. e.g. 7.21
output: 5.35
